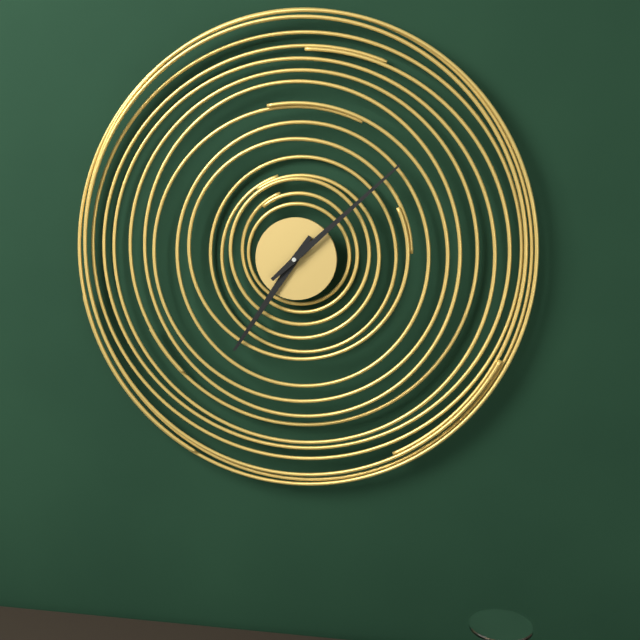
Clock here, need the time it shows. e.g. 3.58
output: 7.08
